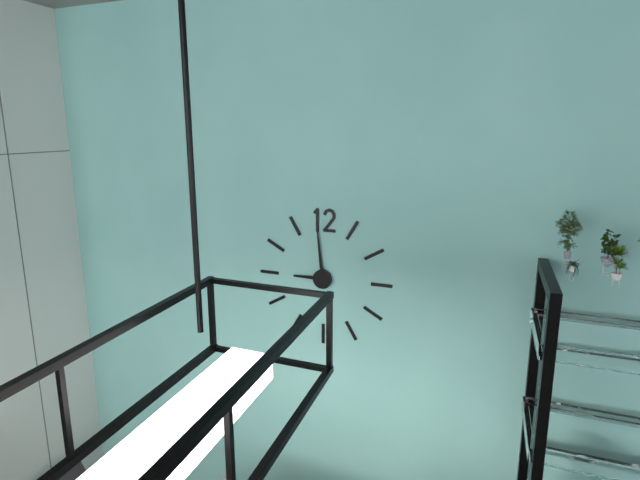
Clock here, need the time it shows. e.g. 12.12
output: 8.59
